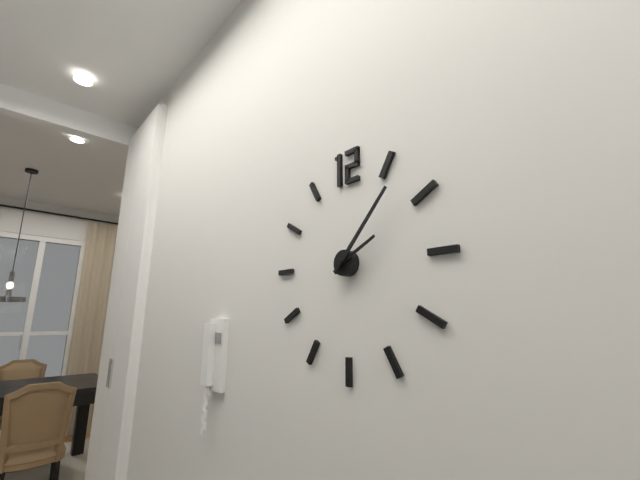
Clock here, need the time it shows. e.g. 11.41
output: 2.07
